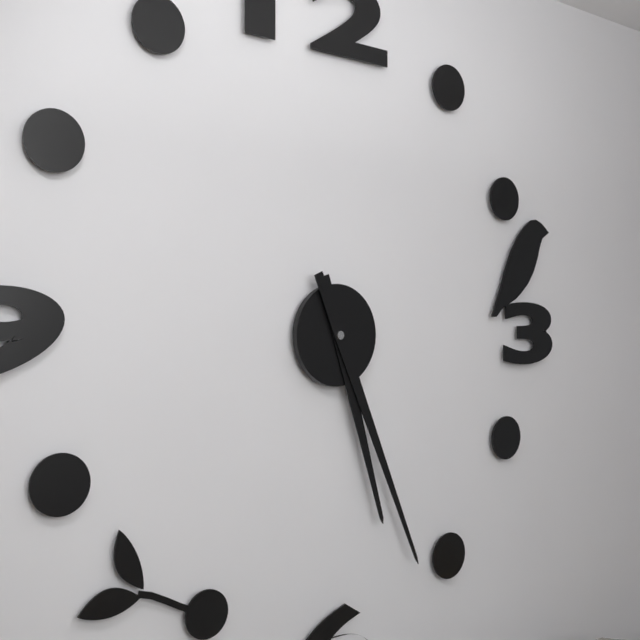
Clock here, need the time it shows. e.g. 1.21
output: 5.26
